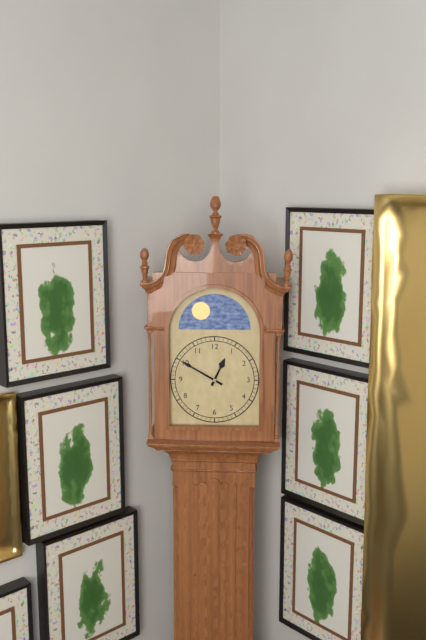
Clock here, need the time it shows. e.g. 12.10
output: 12.50
